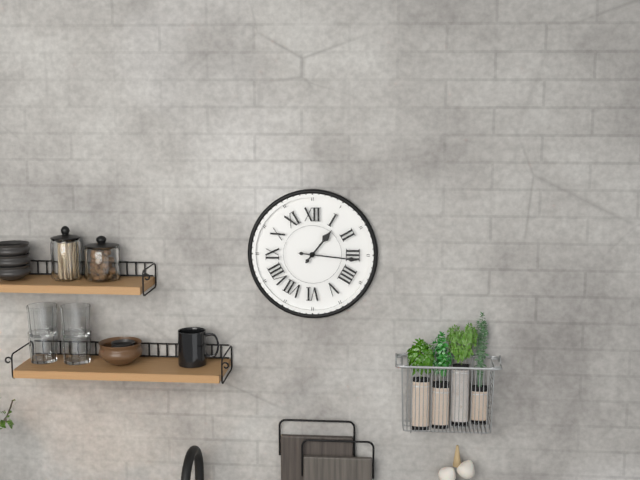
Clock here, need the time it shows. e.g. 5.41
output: 1.16
